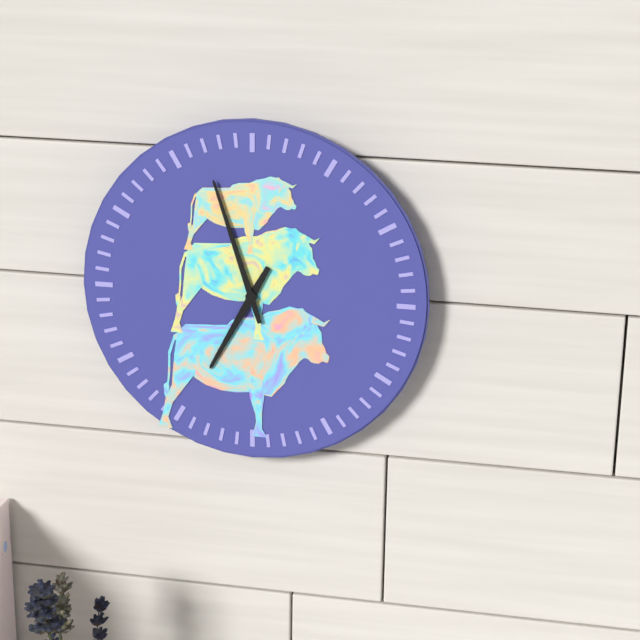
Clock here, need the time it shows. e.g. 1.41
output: 6.57
